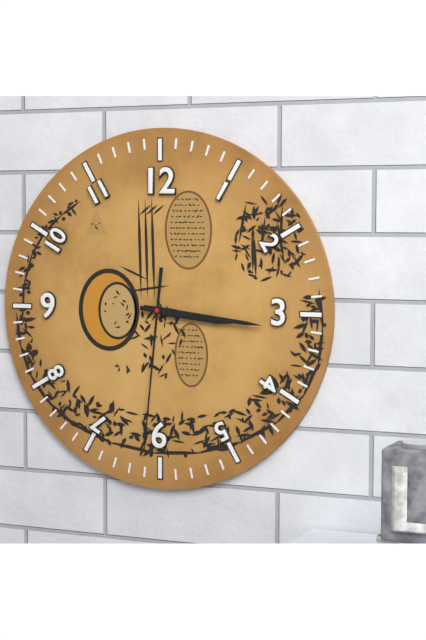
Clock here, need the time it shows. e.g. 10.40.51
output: 3.16.31
